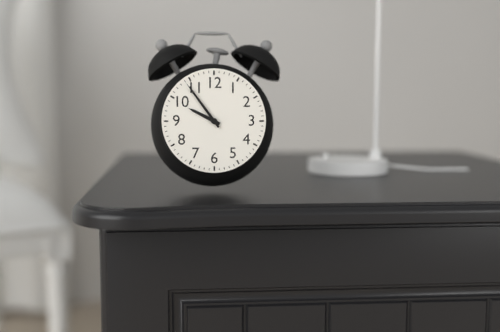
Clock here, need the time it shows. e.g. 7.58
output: 9.54
